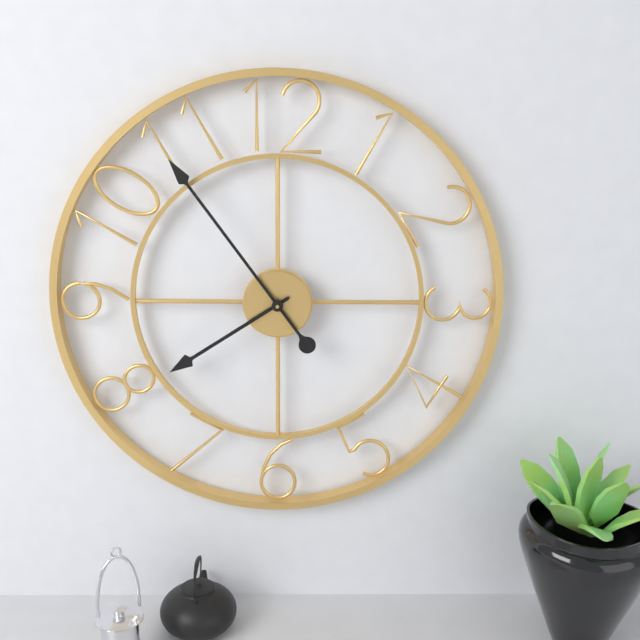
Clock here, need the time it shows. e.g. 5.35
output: 7.54
